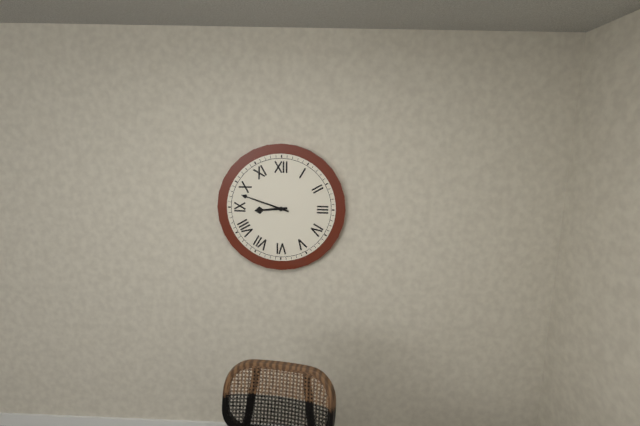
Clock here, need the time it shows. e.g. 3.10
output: 8.48
